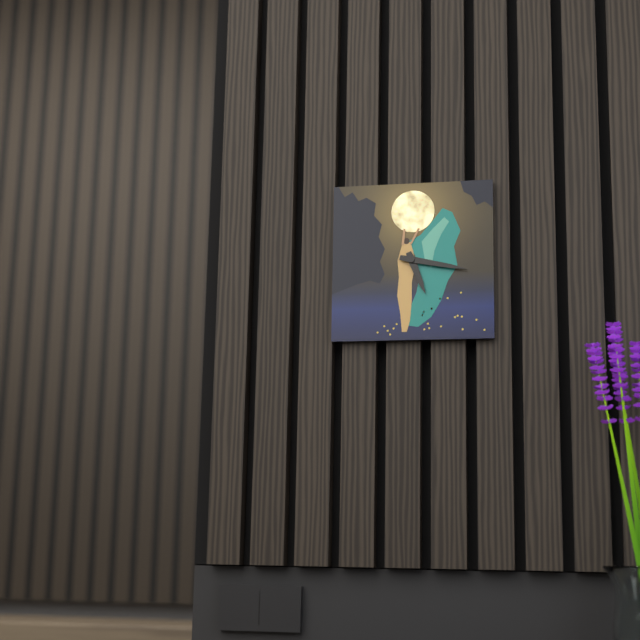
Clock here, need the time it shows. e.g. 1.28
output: 5.17
